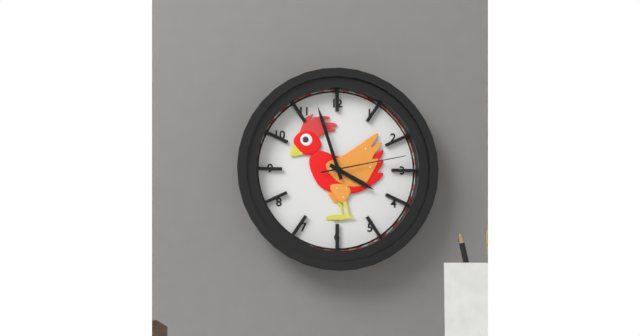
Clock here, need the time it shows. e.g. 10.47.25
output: 3.57.13
